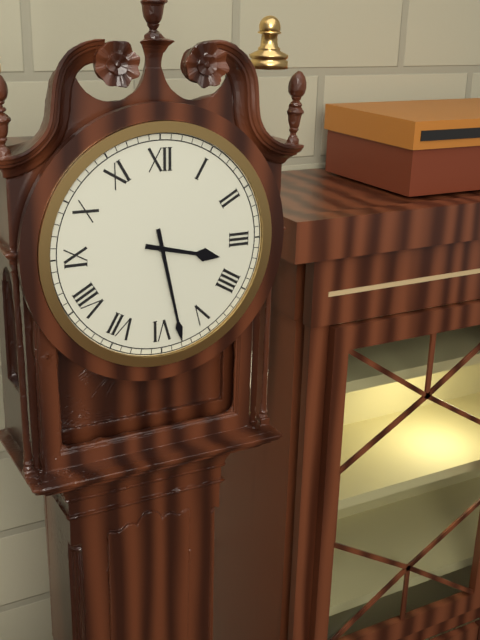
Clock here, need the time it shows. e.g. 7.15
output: 3.28
